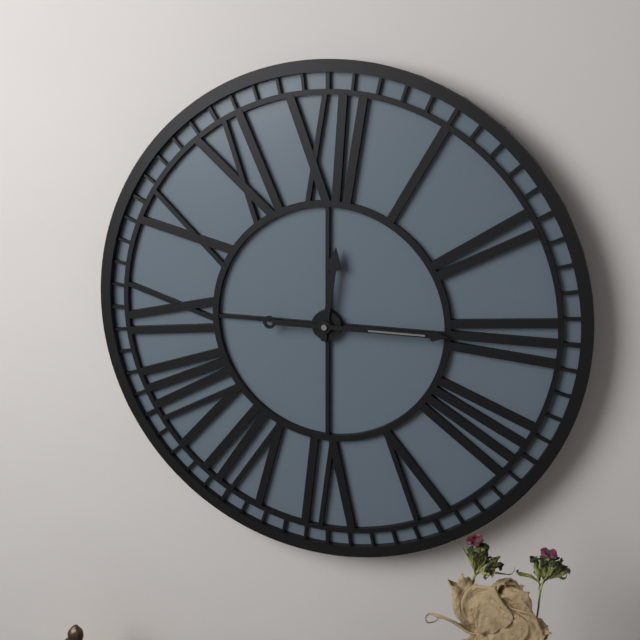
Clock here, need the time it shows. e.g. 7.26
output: 12.15
